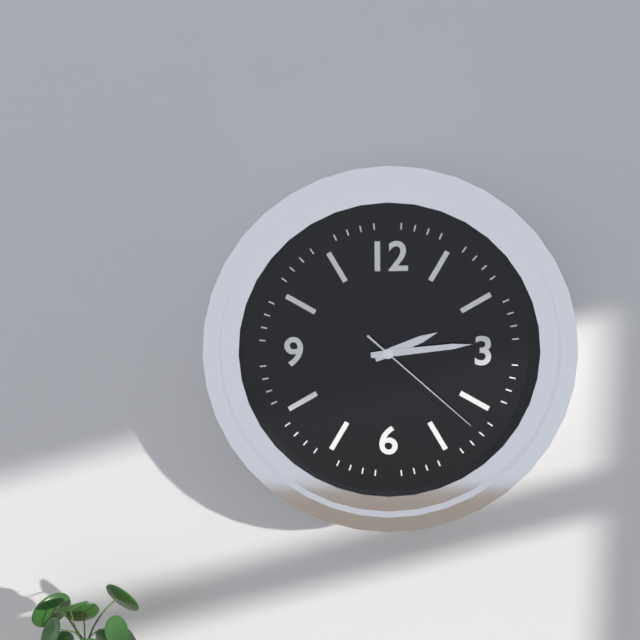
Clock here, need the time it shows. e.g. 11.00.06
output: 2.14.22
